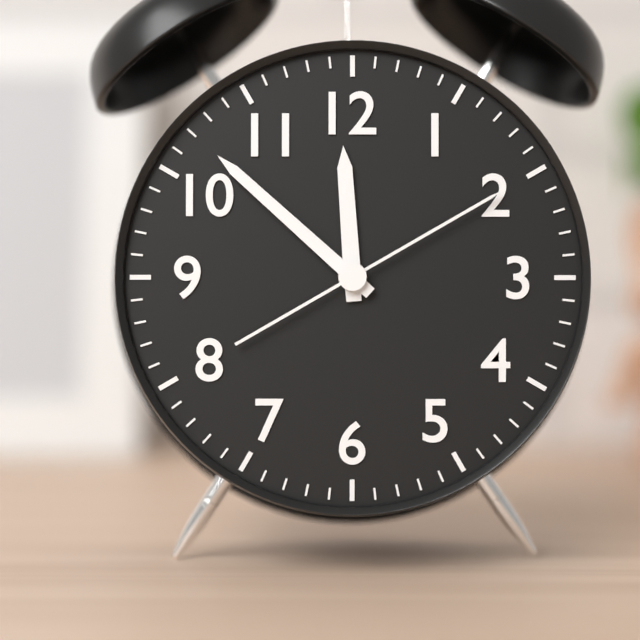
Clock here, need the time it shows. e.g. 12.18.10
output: 11.52.10
